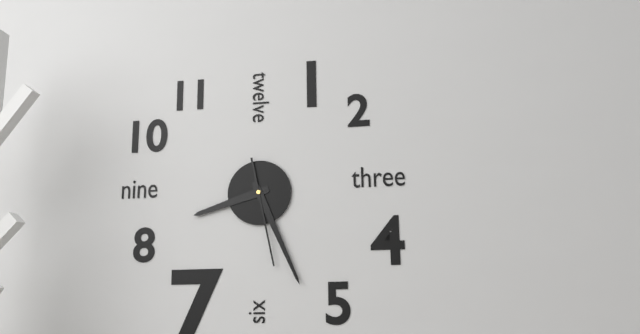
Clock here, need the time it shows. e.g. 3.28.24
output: 8.26.28
